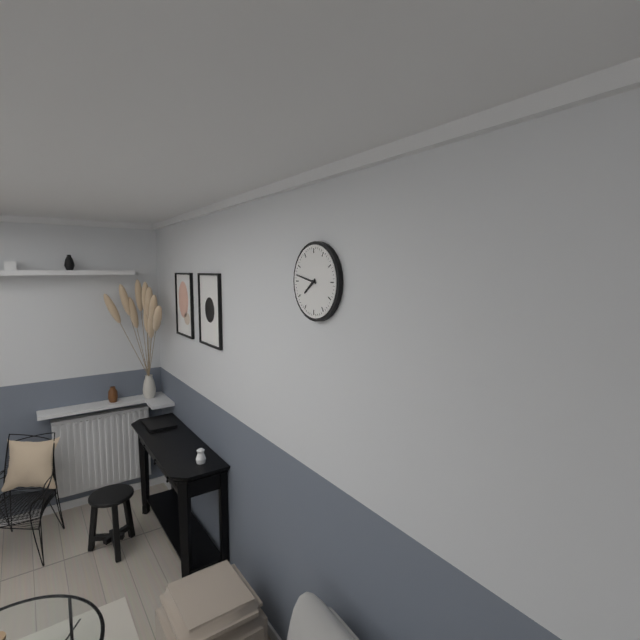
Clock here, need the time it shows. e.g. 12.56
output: 7.47
